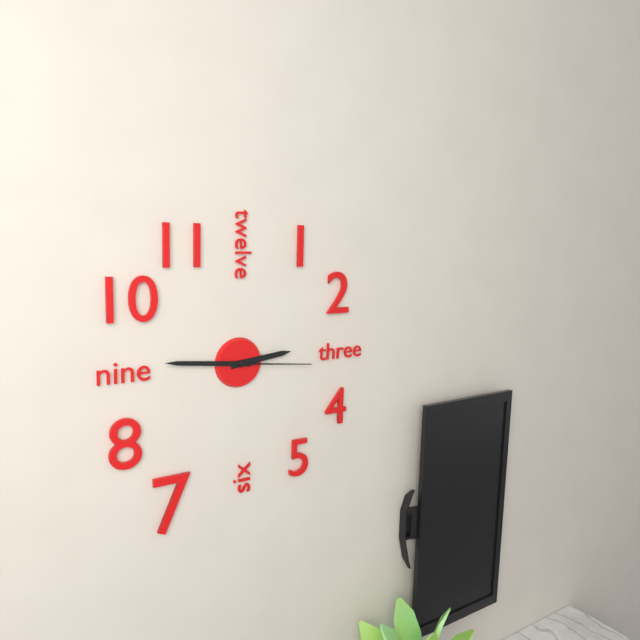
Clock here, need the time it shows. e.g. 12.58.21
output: 2.46.16
